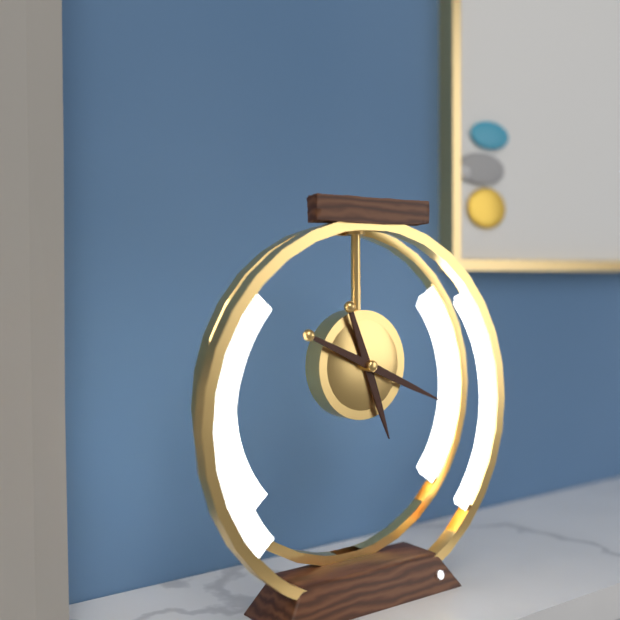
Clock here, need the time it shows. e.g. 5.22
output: 5.19
